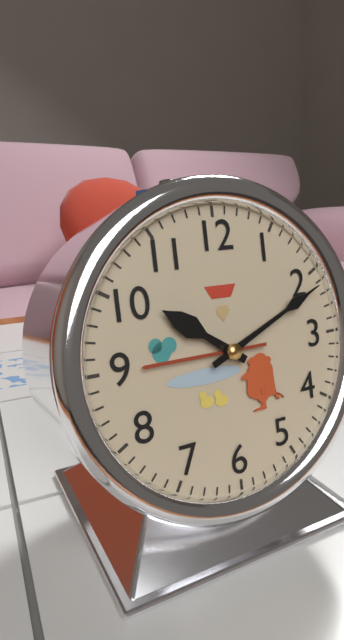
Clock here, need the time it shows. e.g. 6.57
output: 10.11
